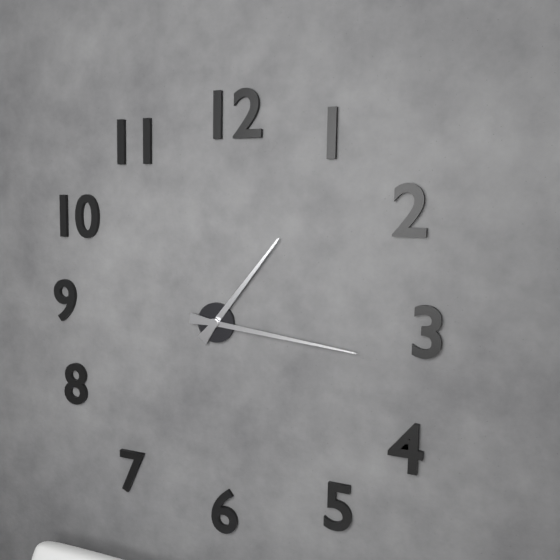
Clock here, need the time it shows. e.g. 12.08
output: 1.16
